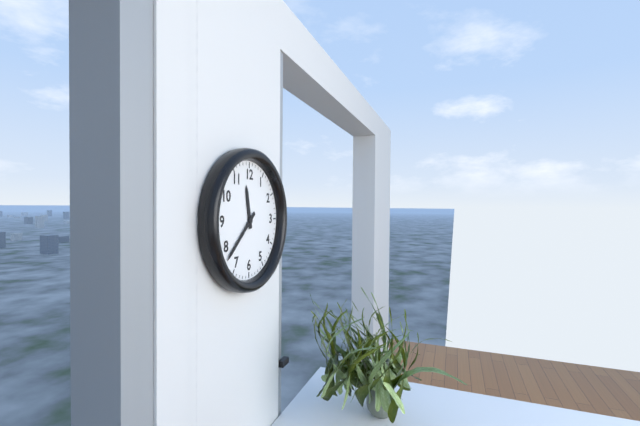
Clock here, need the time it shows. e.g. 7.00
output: 11.38
